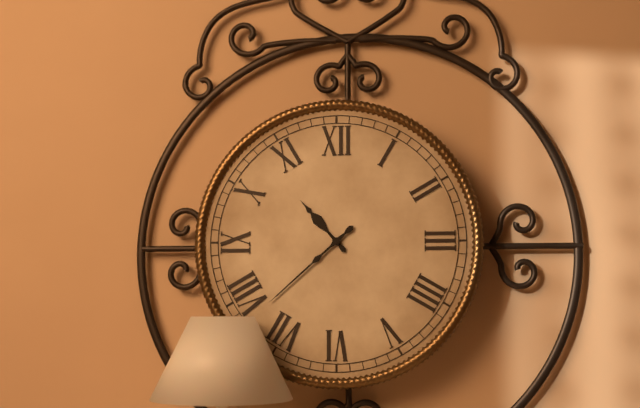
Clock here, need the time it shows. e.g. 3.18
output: 10.38
